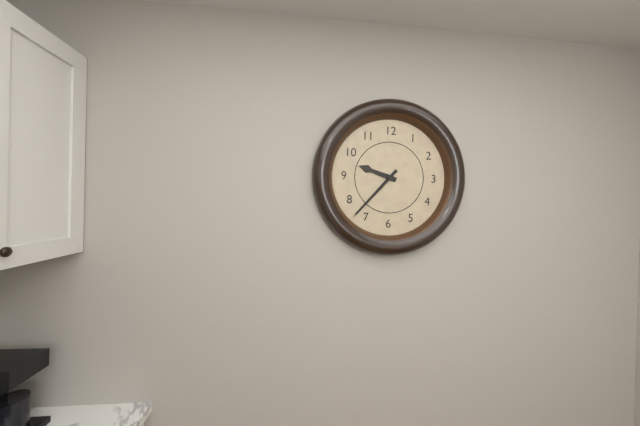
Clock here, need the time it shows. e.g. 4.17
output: 9.37
